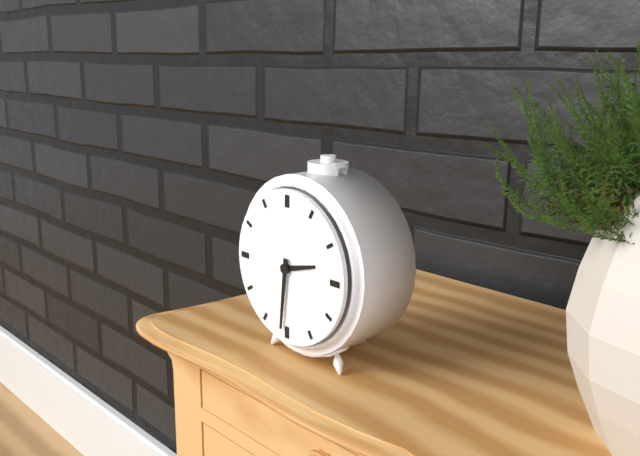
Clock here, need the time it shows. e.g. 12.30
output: 2.31
